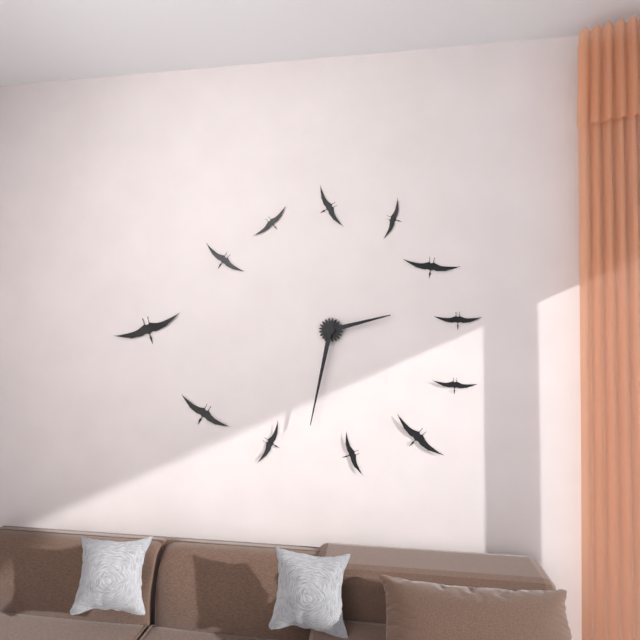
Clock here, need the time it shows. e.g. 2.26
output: 2.32
